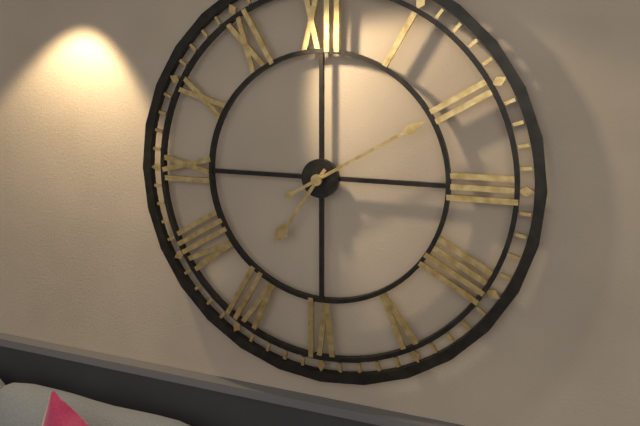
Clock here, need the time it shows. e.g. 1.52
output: 7.10
